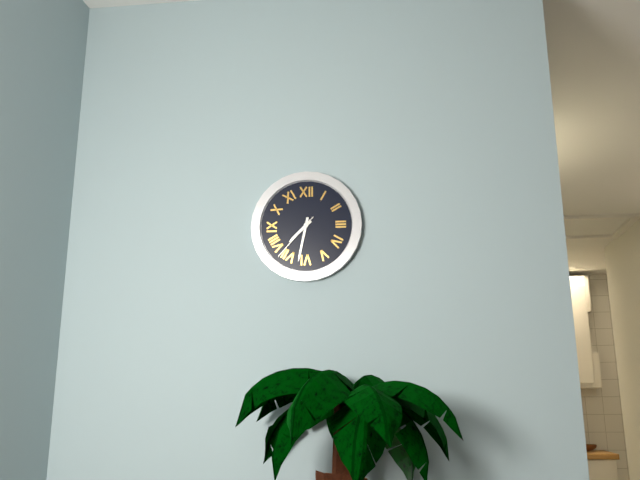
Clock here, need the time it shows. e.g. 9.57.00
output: 7.32.37
